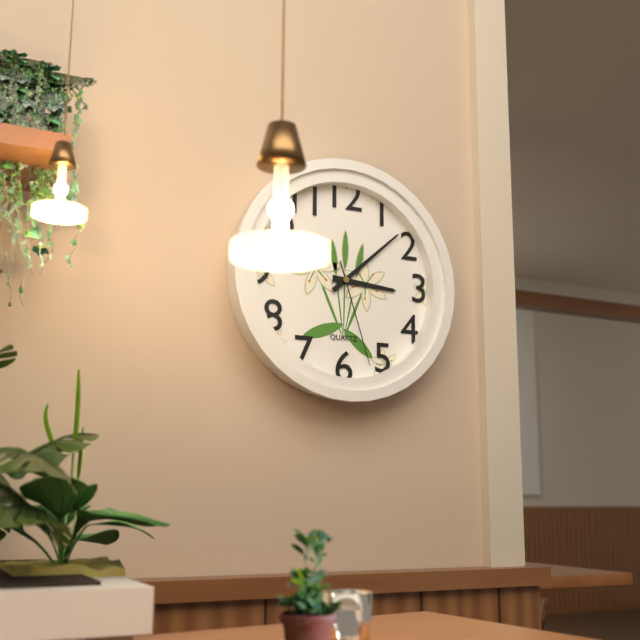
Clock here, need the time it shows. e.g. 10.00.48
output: 3.08.27
